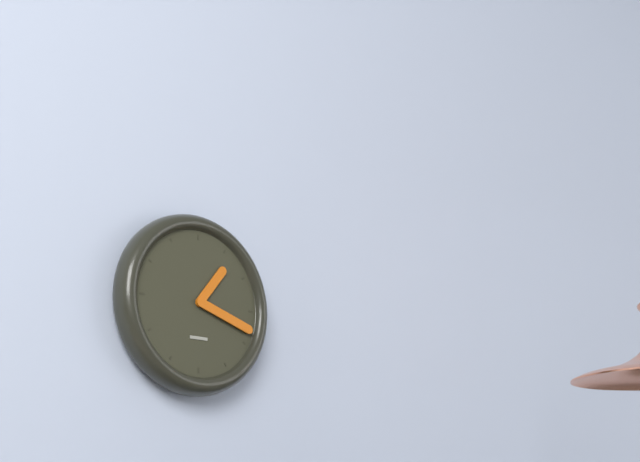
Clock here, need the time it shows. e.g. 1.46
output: 1.18
